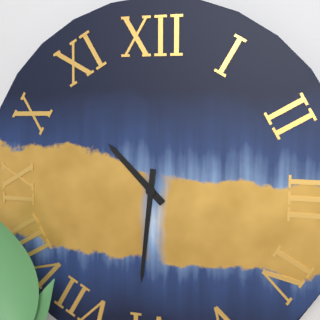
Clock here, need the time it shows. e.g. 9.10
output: 10.31
